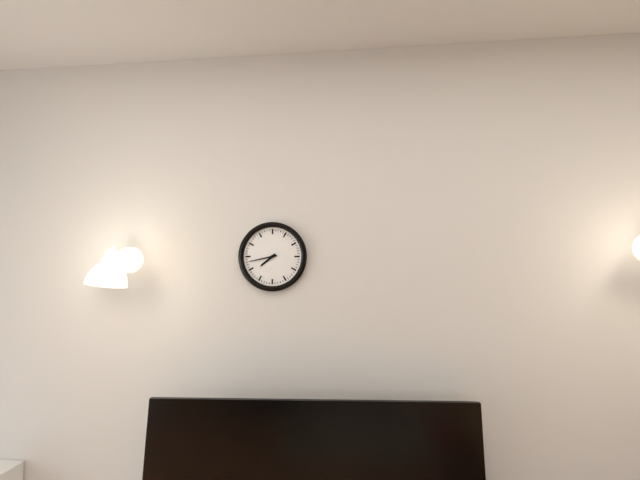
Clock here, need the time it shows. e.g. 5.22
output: 7.43
